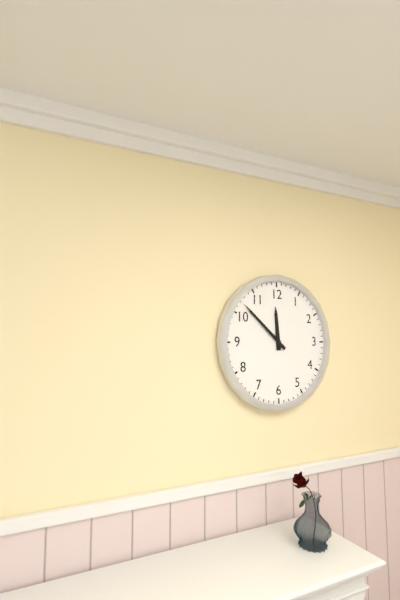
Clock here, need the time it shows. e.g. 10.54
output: 11.52
